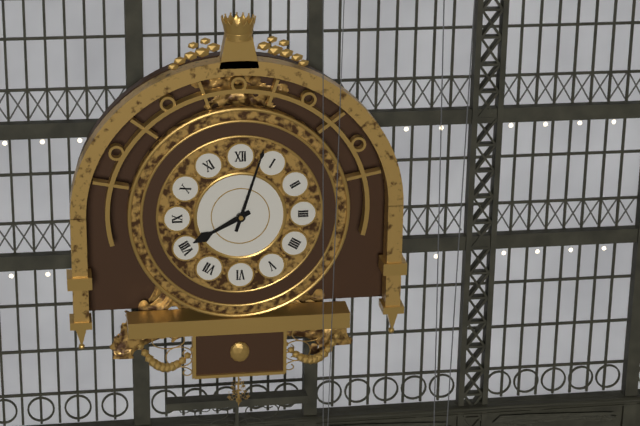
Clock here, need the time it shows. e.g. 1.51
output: 8.03
